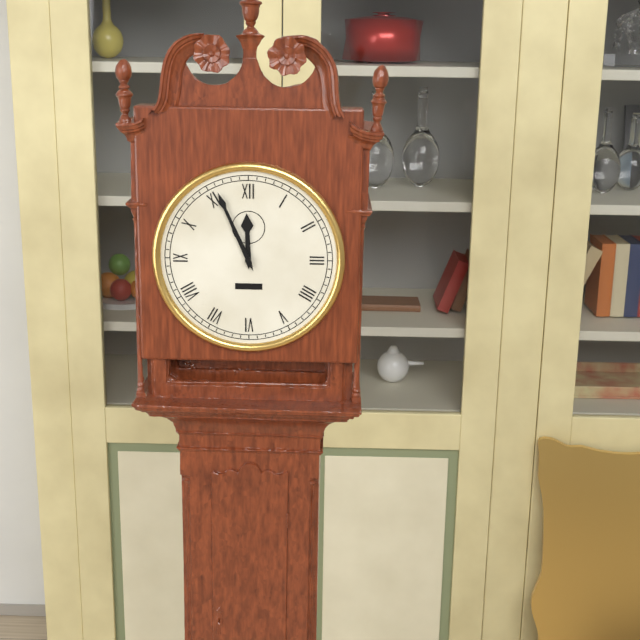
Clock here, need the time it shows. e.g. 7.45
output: 11.56
